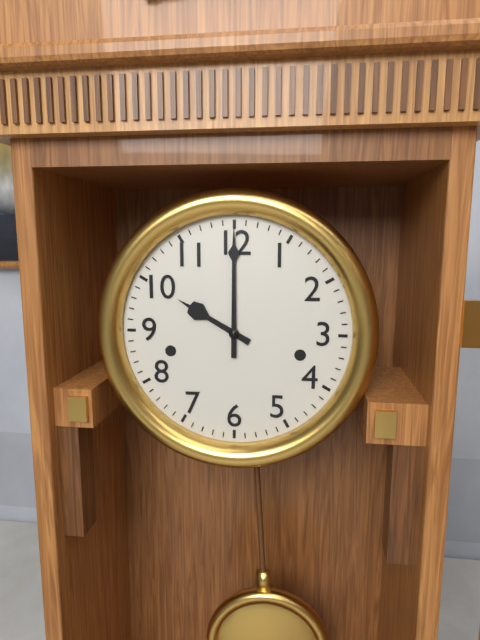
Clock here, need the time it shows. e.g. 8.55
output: 10.00
